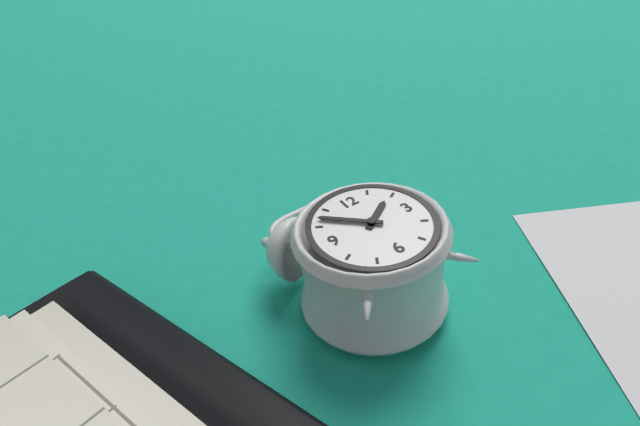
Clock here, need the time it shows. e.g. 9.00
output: 1.52
